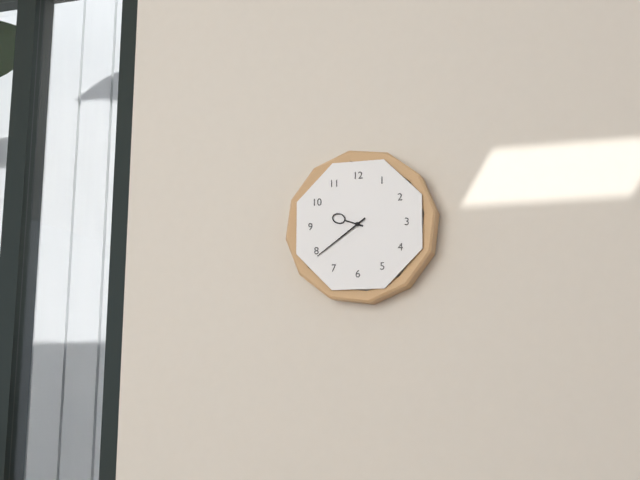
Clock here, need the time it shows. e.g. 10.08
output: 9.39
